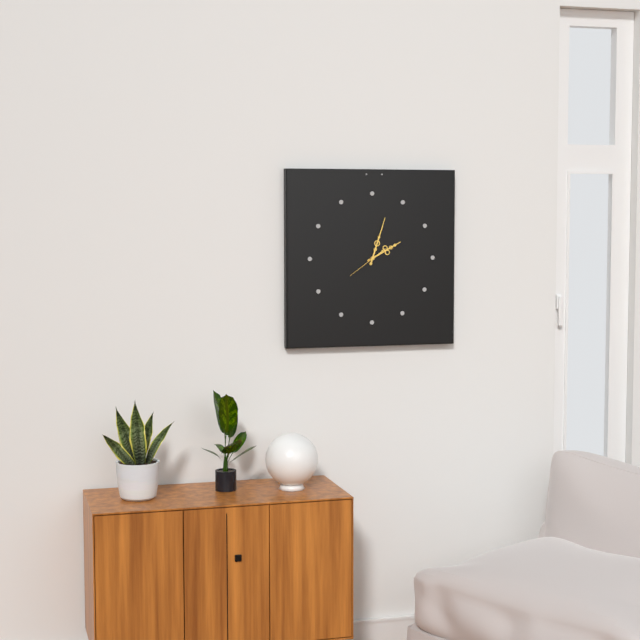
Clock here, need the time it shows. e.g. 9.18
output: 2.03
